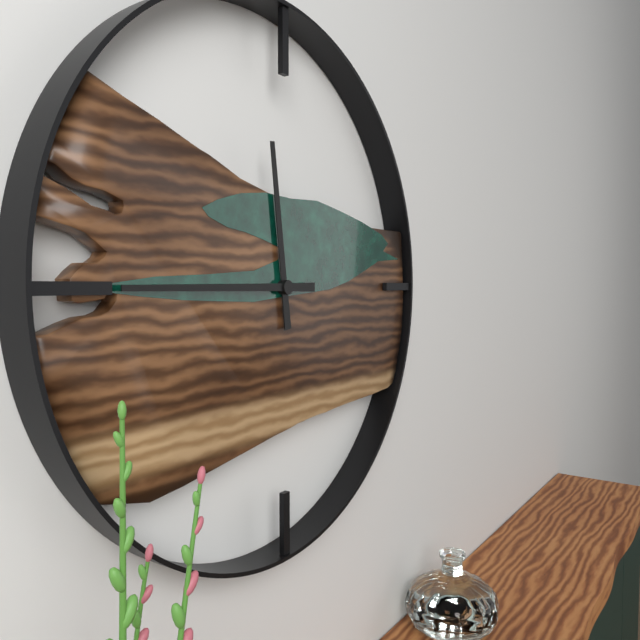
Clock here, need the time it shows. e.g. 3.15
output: 11.45
